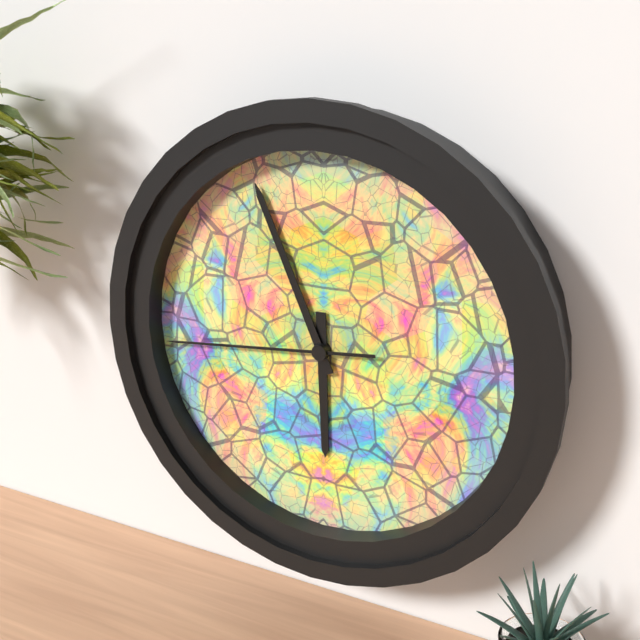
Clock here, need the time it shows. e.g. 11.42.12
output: 5.56.44
